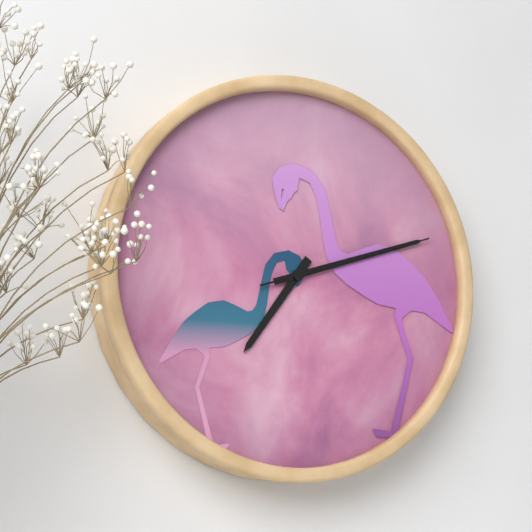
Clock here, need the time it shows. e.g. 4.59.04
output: 7.12.12
